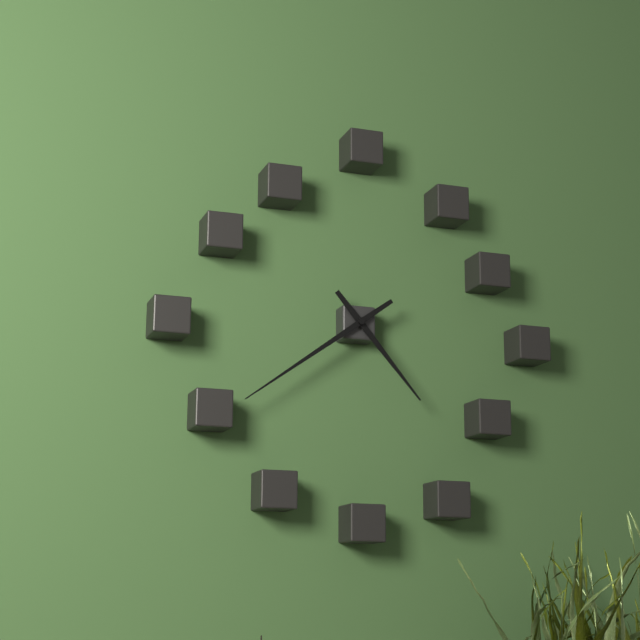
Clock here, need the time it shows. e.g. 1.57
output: 4.39
